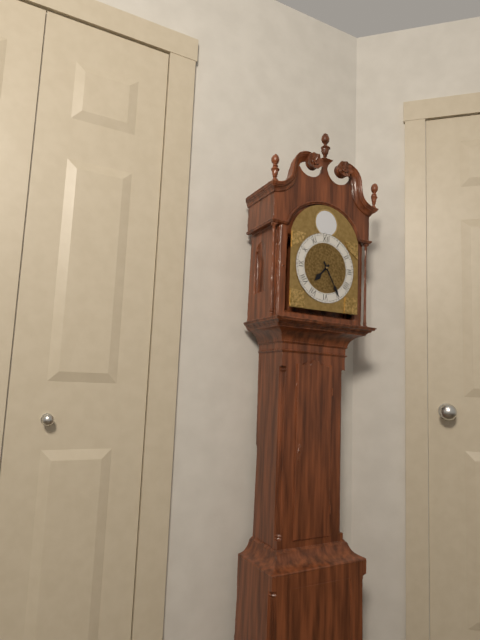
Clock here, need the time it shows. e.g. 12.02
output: 7.25
